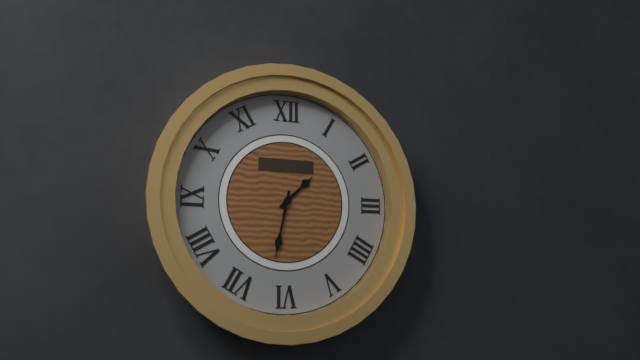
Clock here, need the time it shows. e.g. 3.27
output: 1.32
